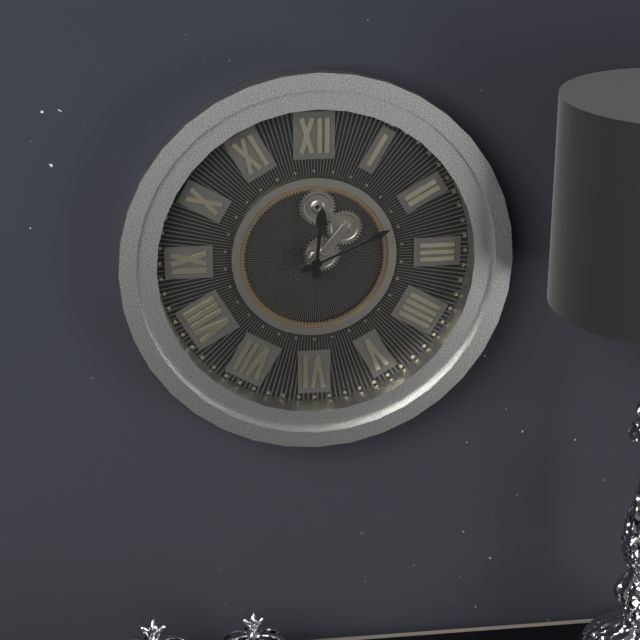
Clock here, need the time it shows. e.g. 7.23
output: 12.11
